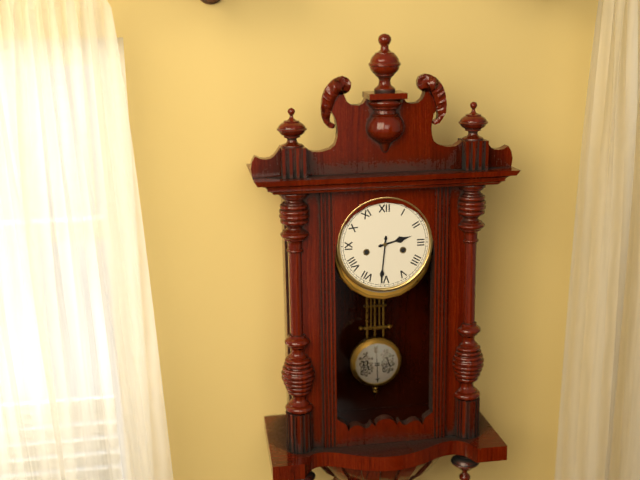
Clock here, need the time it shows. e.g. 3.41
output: 2.31
